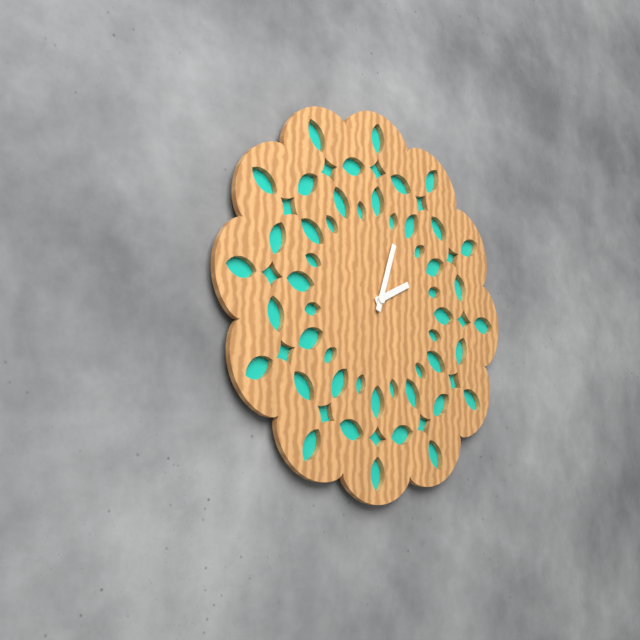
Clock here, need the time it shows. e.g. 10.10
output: 2.03
